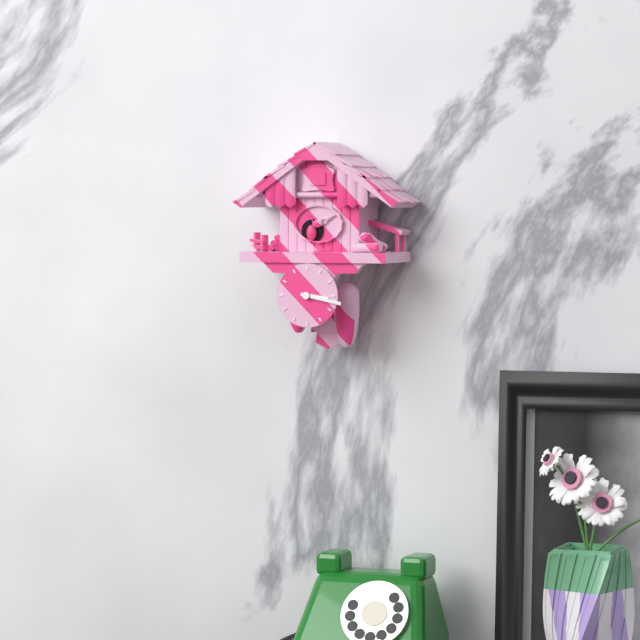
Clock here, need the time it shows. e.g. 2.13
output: 3.17
